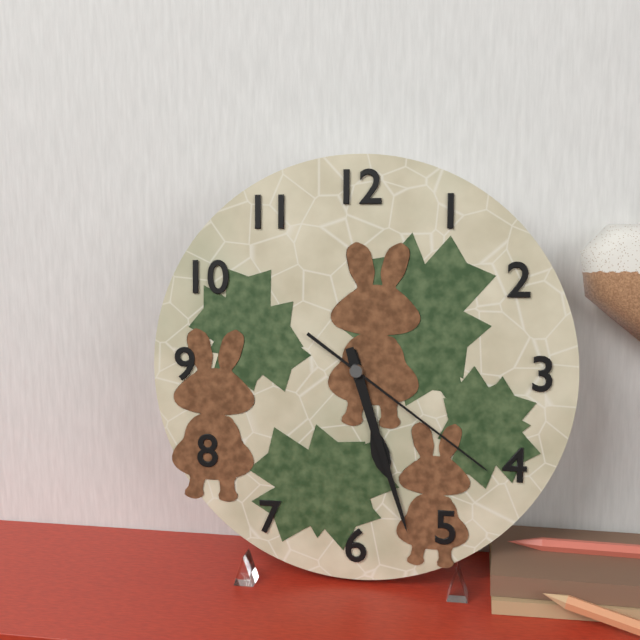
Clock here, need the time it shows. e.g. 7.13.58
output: 5.27.21
